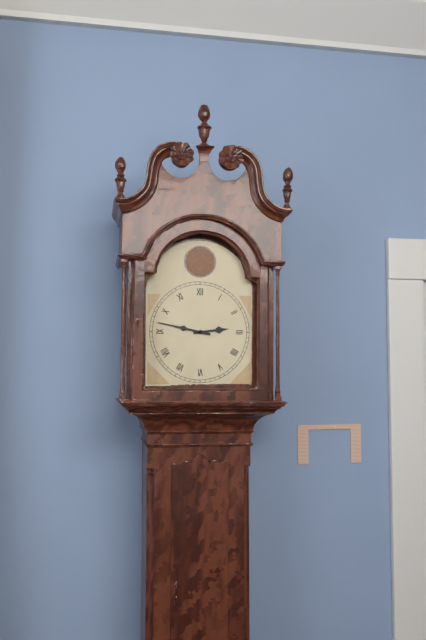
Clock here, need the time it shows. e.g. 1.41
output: 2.47
